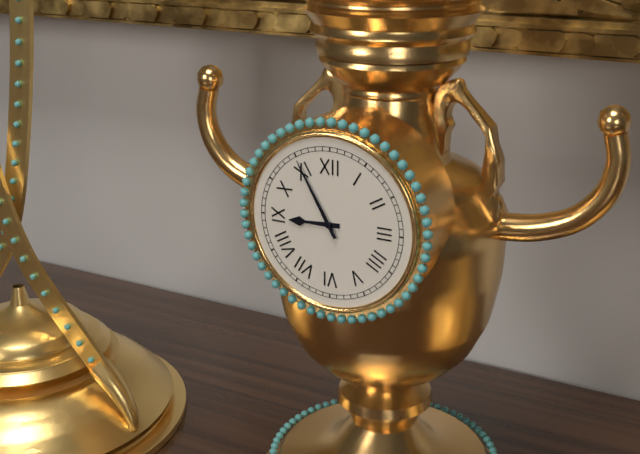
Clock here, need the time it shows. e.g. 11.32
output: 8.55
